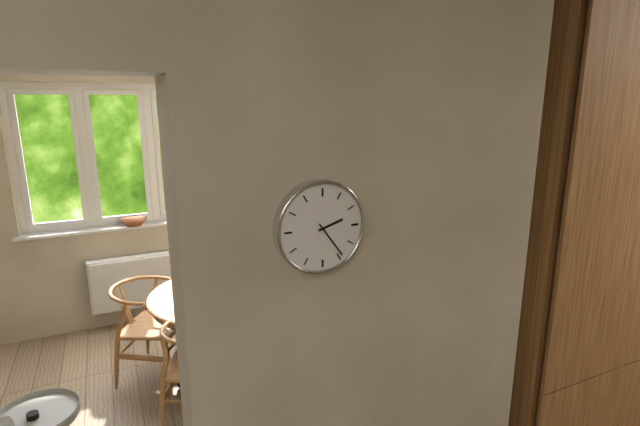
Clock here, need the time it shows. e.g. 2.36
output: 2.24
